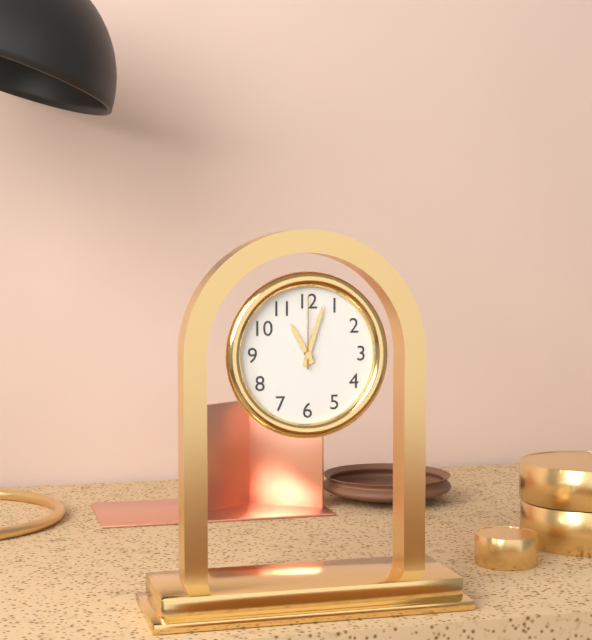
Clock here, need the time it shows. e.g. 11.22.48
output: 11.03.00
